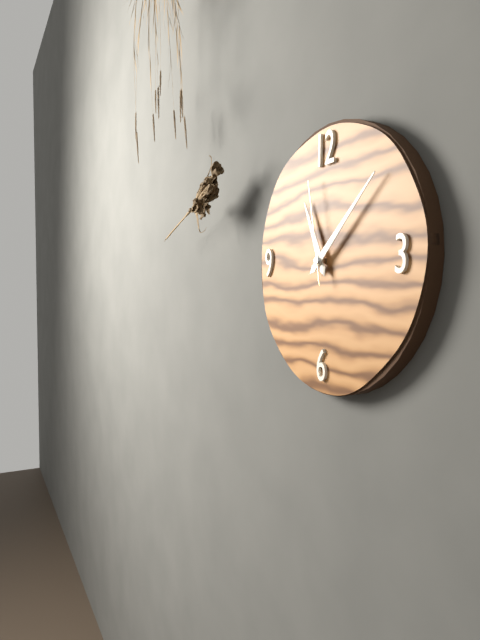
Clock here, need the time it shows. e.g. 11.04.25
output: 11.08.58
